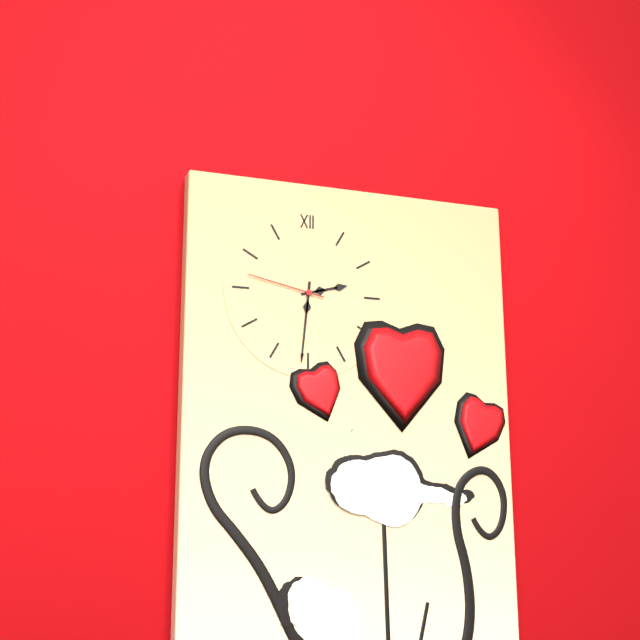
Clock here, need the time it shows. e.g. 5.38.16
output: 2.31.47
